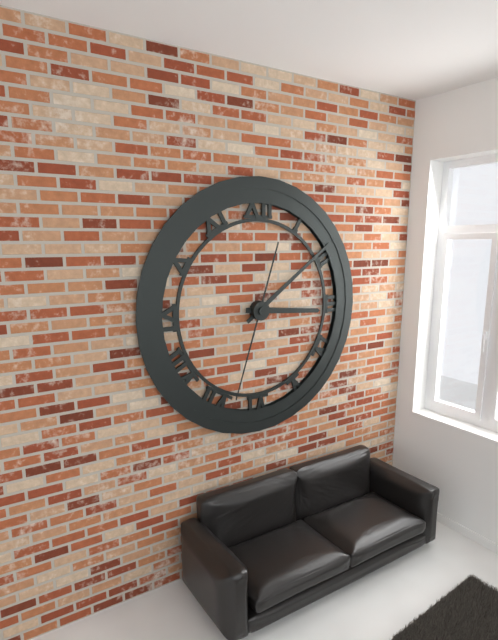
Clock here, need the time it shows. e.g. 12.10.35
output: 3.09.33
